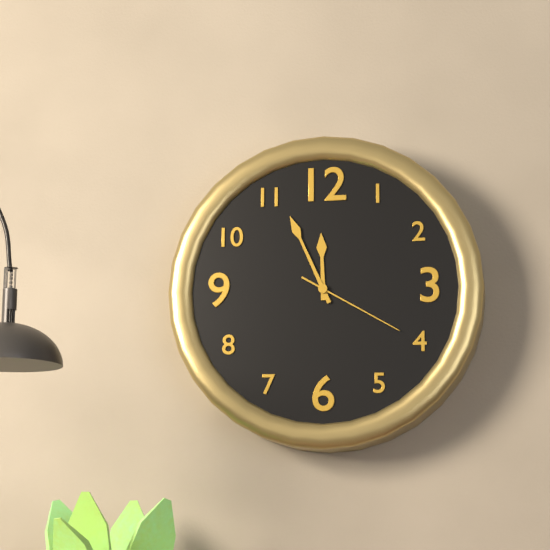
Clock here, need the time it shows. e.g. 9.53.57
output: 11.56.20
